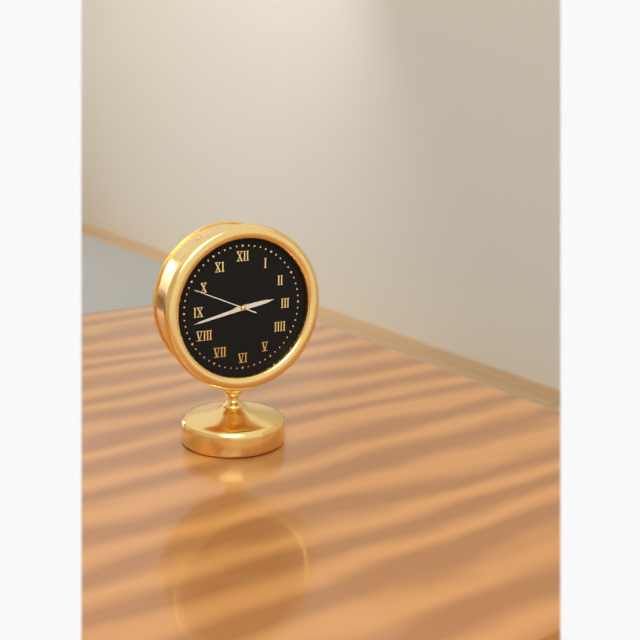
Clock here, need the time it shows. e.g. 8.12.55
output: 2.43.49
